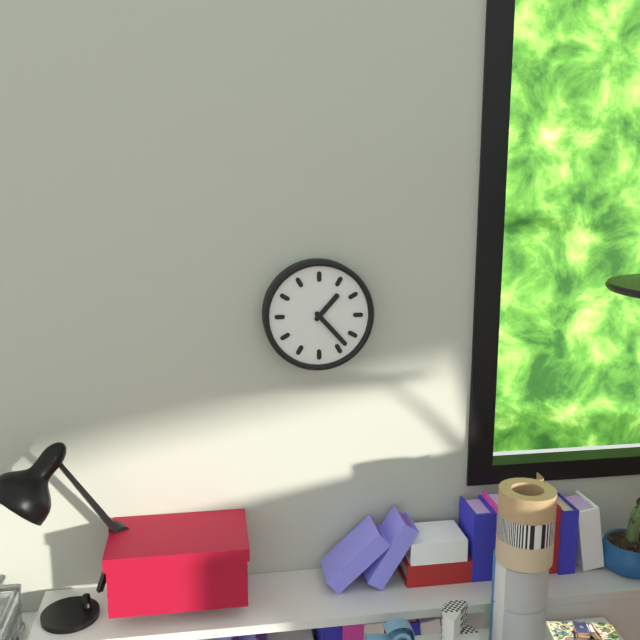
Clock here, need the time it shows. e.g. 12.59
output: 1.23
